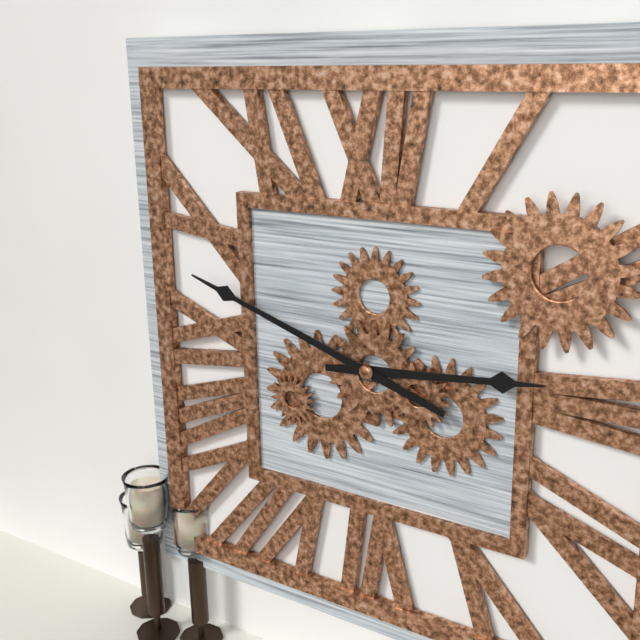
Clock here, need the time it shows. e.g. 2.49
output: 2.48
